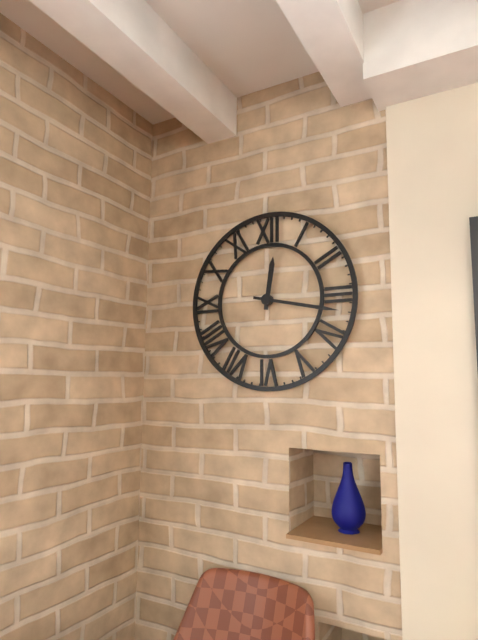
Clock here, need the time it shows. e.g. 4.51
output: 12.17
